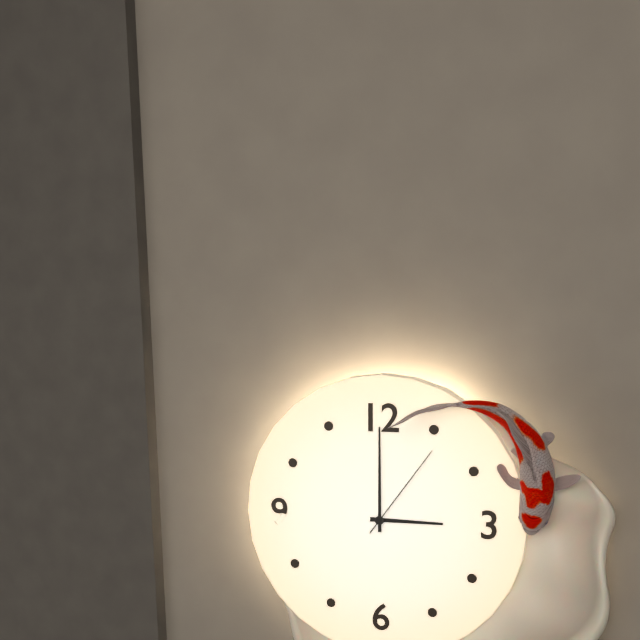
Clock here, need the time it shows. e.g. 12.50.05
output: 3.00.06
